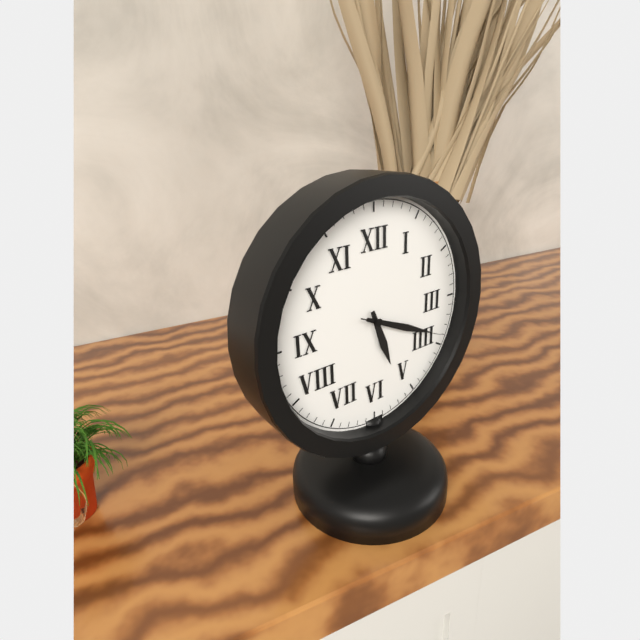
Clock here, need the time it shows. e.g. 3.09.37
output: 5.19.19
